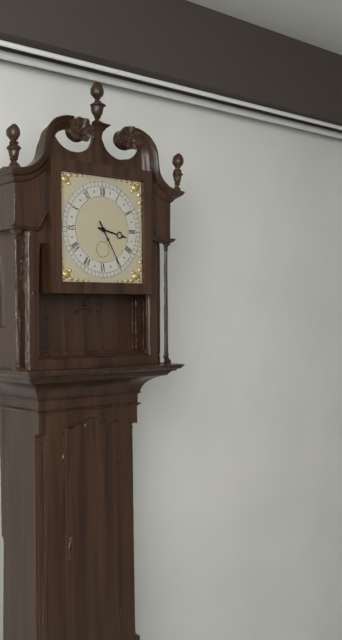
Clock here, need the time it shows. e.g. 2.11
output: 3.25
